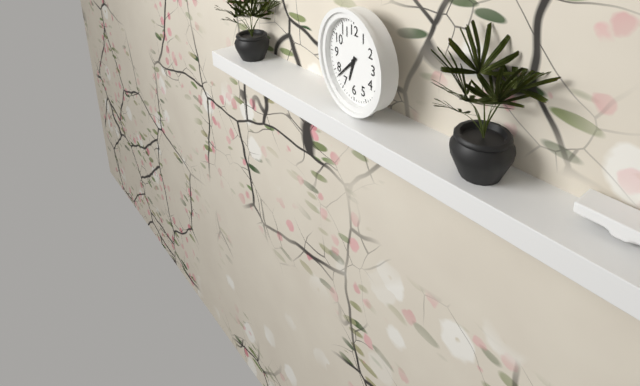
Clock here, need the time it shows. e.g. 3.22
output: 6.38
